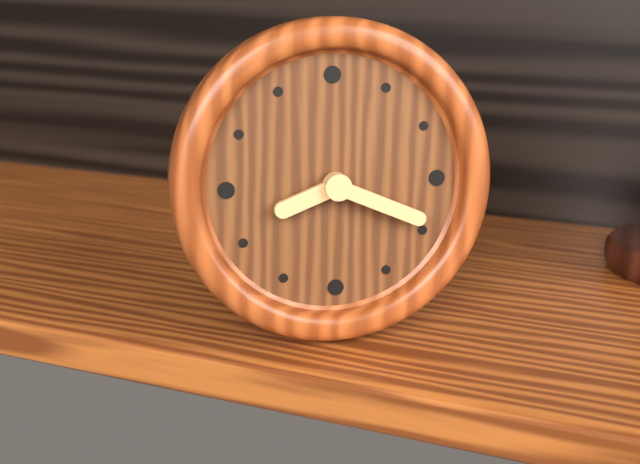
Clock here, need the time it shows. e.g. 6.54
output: 8.19
